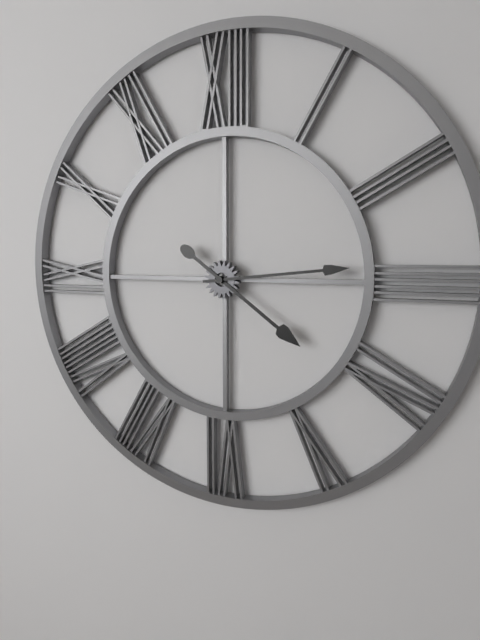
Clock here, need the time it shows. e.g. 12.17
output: 4.14
